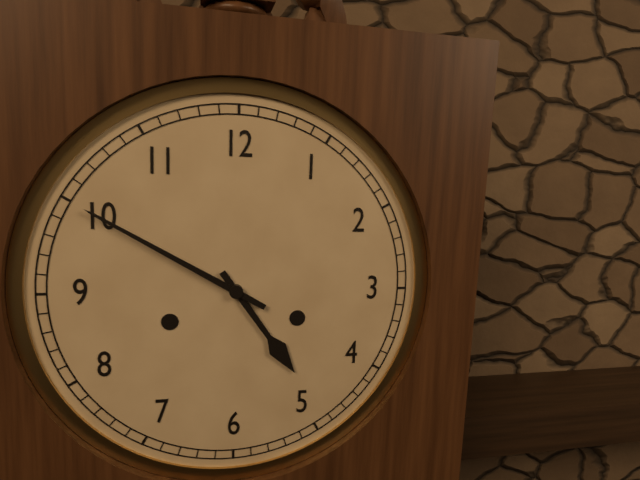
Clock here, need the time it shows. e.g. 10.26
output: 4.50
